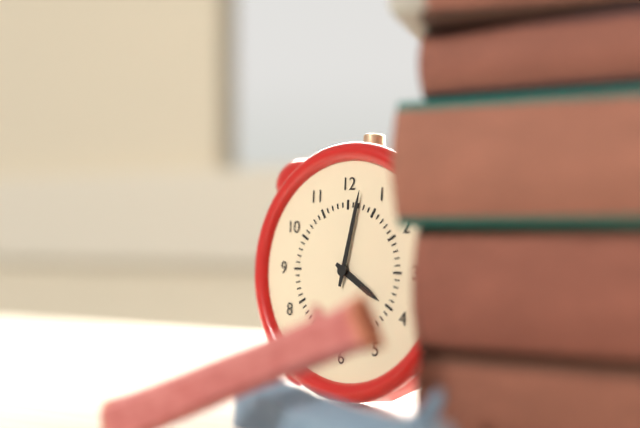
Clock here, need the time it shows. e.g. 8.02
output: 4.02
